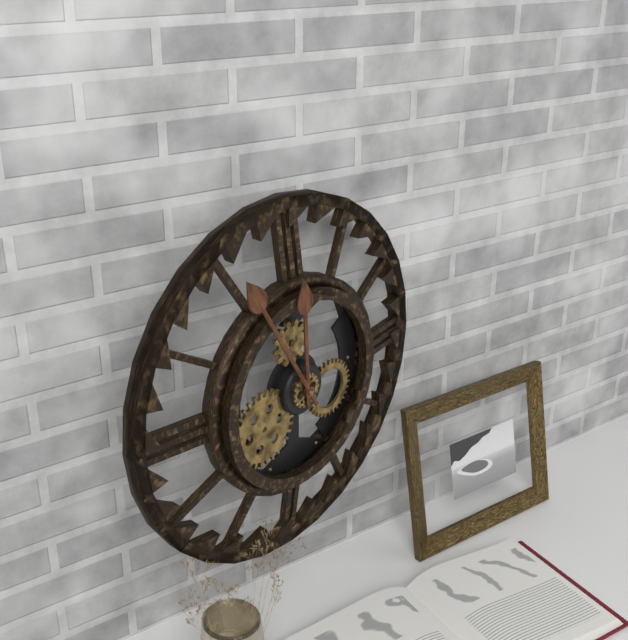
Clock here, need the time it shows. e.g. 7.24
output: 11.55
